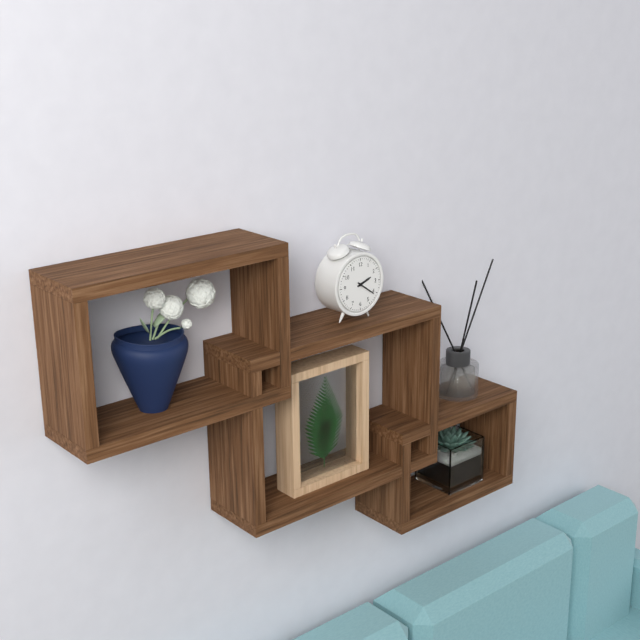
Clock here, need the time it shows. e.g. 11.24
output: 2.21
